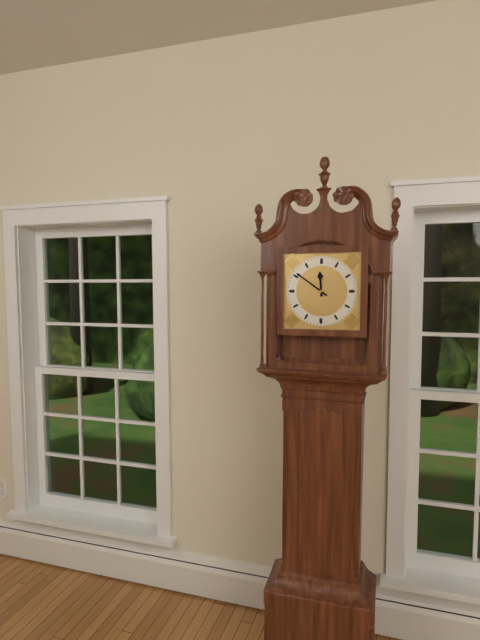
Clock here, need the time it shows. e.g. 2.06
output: 11.51
